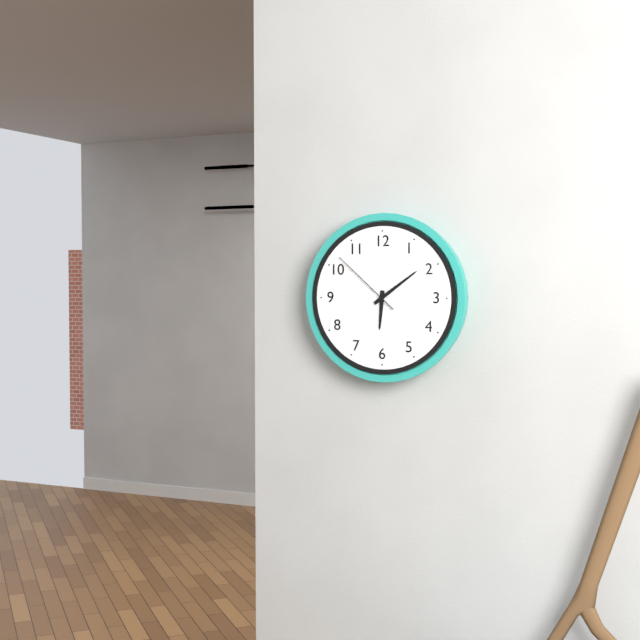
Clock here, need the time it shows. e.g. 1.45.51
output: 6.09.52
